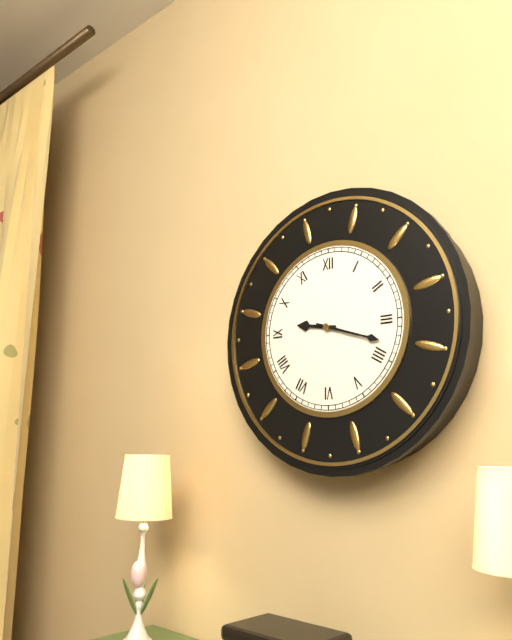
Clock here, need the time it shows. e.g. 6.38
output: 9.18
